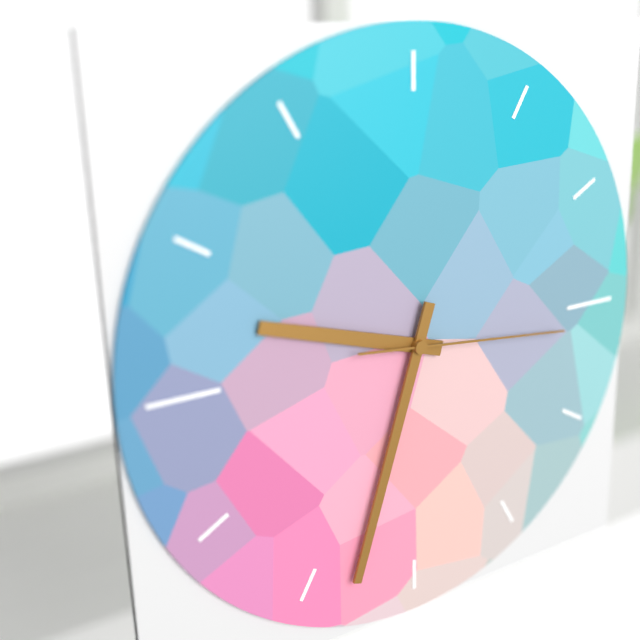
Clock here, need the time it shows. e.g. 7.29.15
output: 9.33.16
